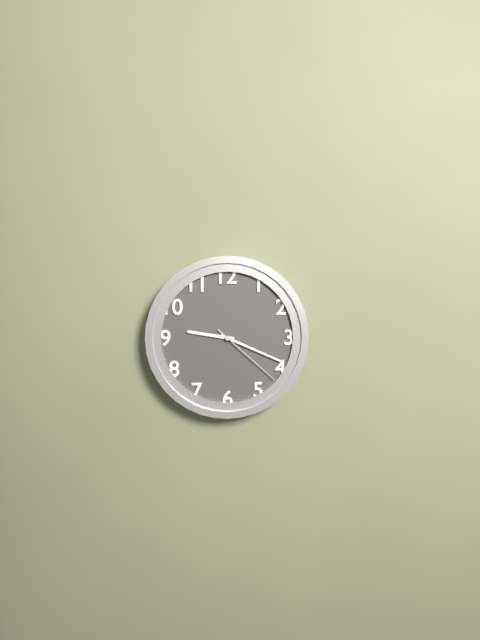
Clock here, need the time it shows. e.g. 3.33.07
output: 9.19.22
